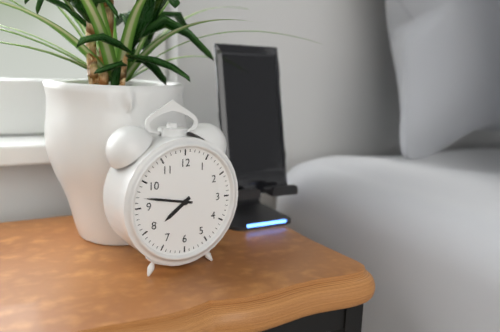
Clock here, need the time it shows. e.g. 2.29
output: 7.47
